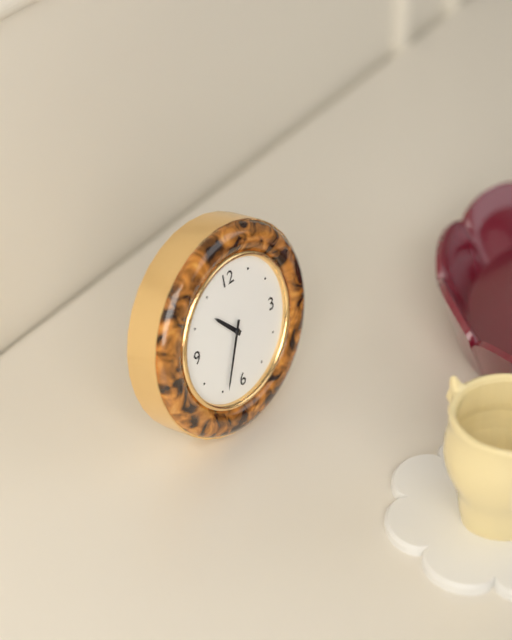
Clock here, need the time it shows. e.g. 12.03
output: 10.34
